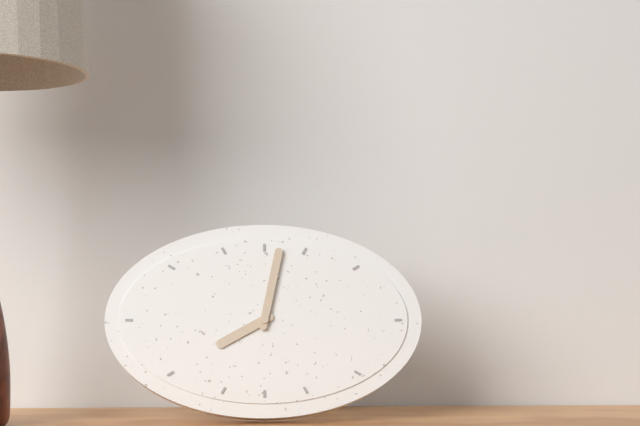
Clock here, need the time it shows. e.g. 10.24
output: 8.02
